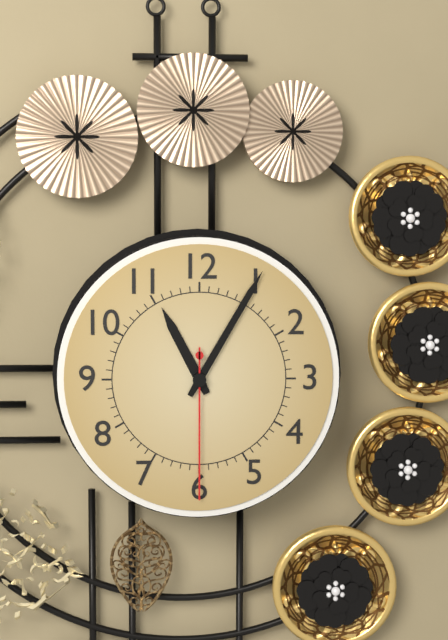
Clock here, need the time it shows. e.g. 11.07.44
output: 11.05.30
